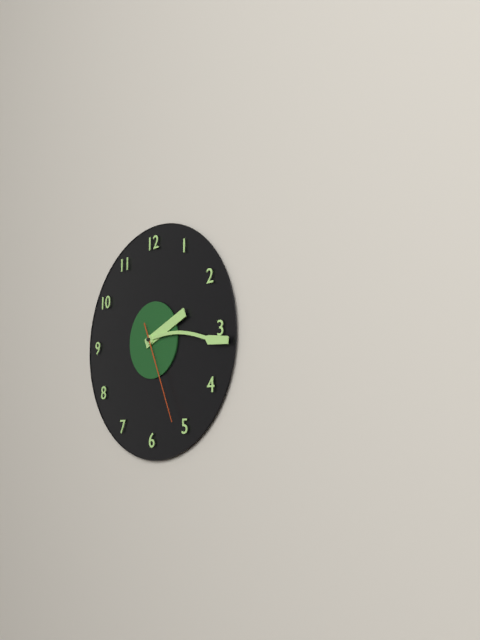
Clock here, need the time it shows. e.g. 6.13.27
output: 2.16.26
